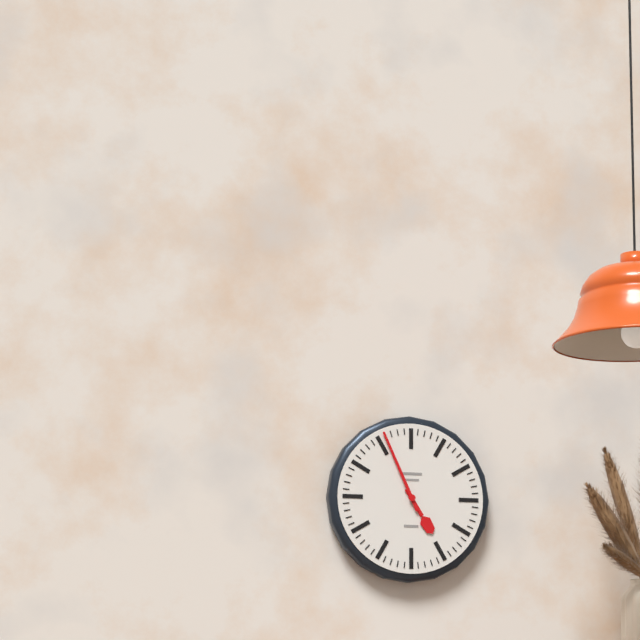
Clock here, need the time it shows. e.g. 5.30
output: 4.56
